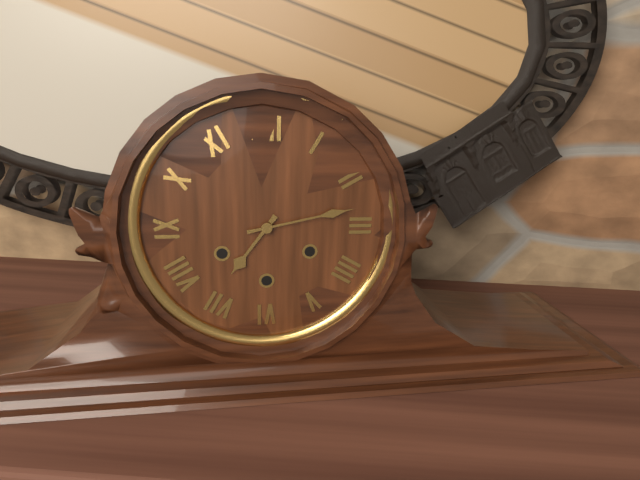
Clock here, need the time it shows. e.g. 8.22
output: 7.13
